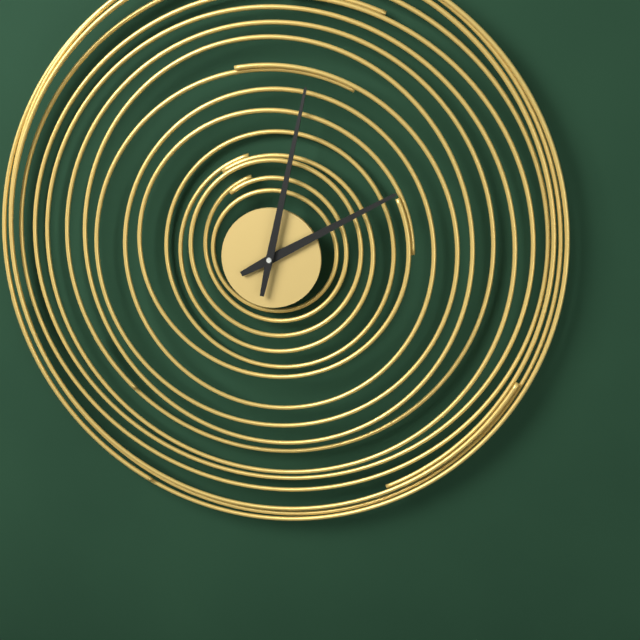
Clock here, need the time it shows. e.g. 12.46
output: 2.02
